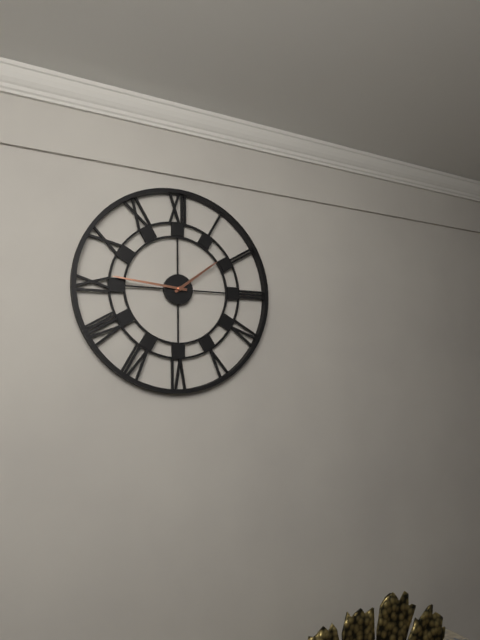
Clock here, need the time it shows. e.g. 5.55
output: 1.46
